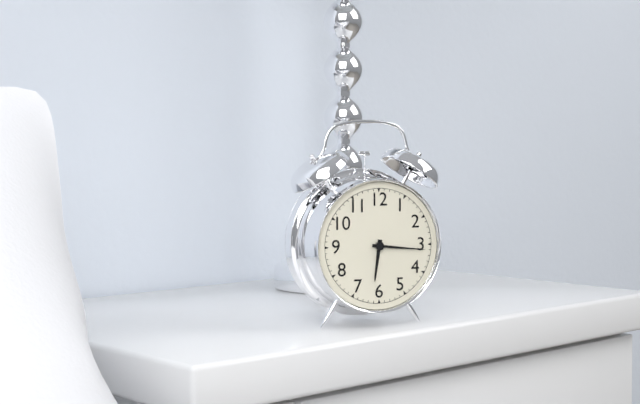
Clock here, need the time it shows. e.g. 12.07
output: 6.16
